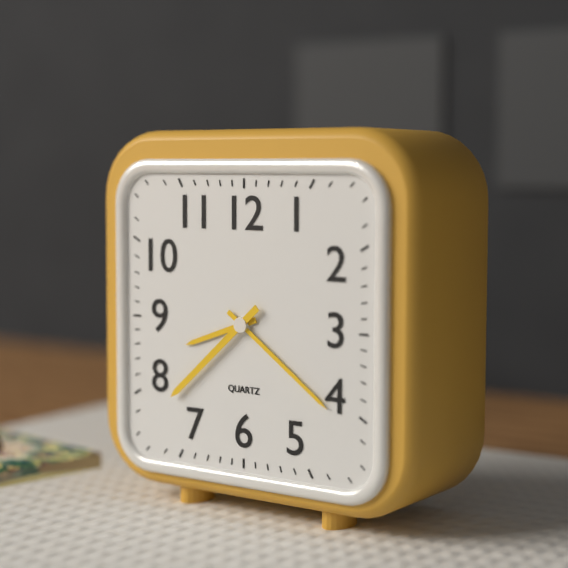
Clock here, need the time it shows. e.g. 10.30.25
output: 8.21.38
